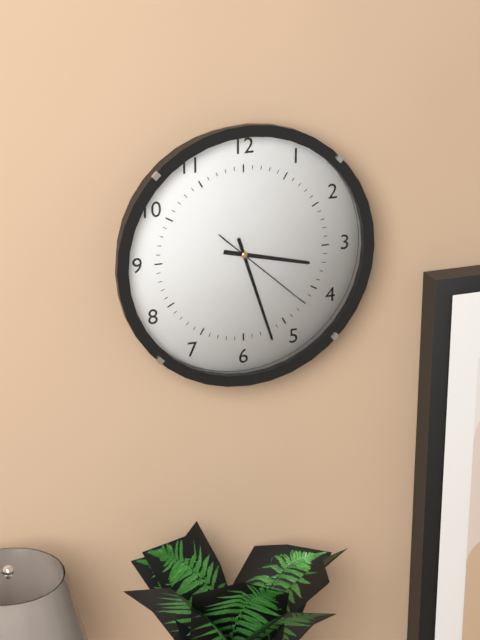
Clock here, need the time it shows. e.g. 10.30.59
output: 3.27.22
